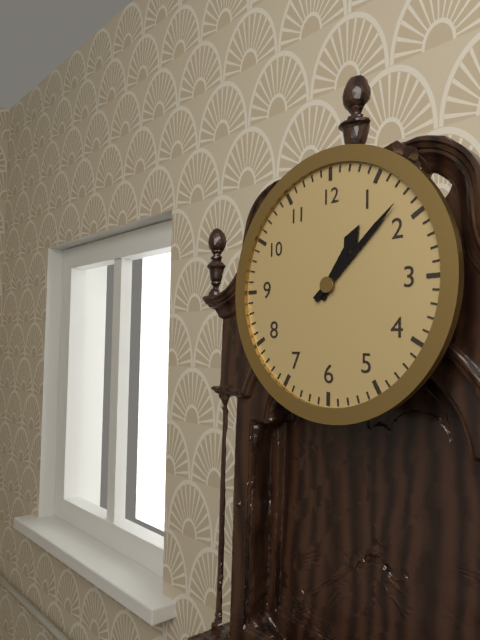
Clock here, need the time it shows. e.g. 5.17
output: 1.08
